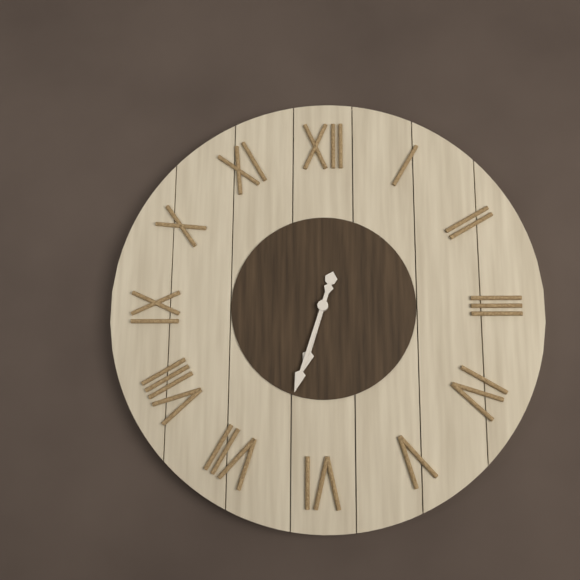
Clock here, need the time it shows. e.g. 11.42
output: 6.33
